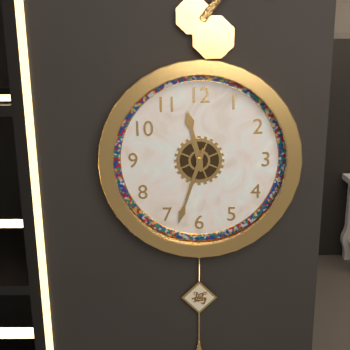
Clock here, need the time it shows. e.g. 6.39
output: 11.33
